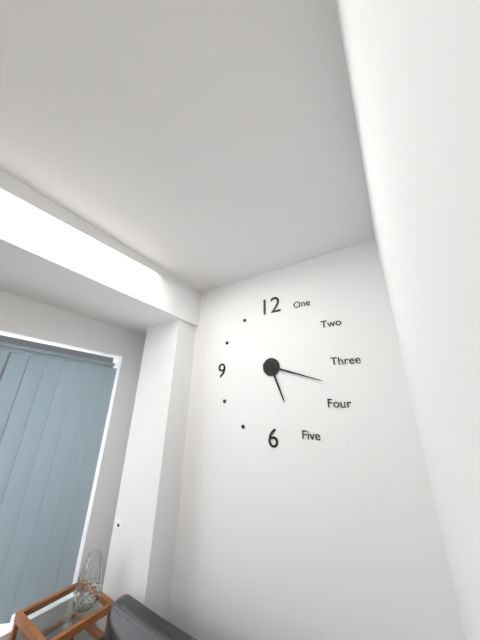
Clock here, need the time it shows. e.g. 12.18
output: 5.18
